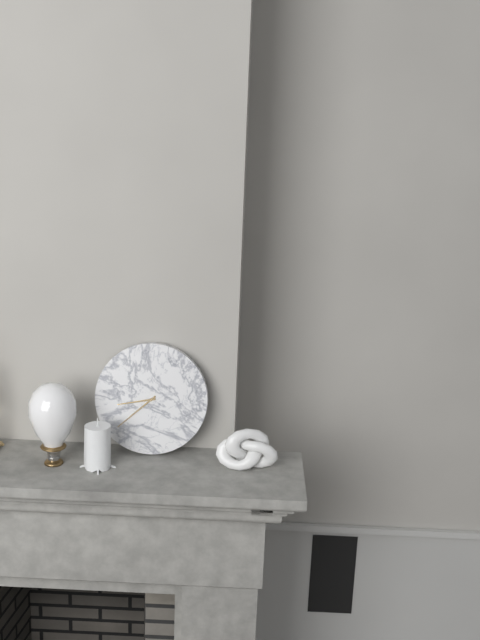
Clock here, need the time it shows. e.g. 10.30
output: 8.38
